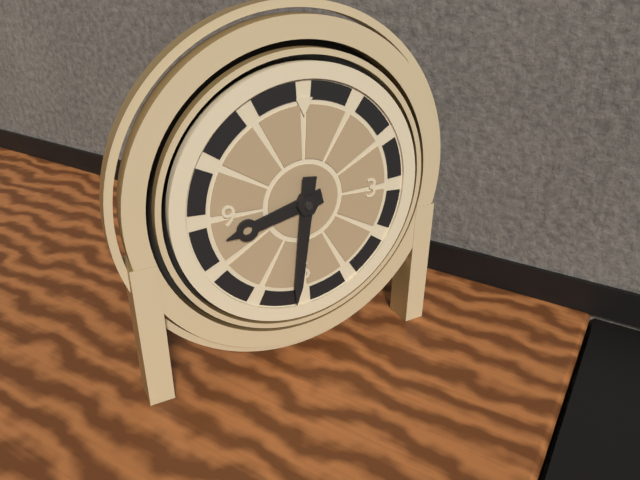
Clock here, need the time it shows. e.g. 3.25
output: 8.31
